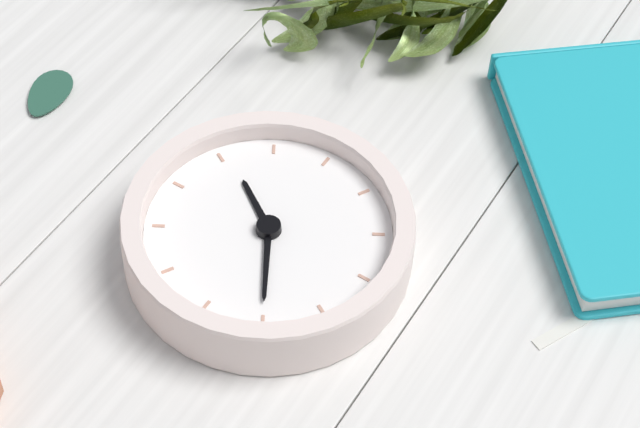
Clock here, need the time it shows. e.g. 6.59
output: 7.10
